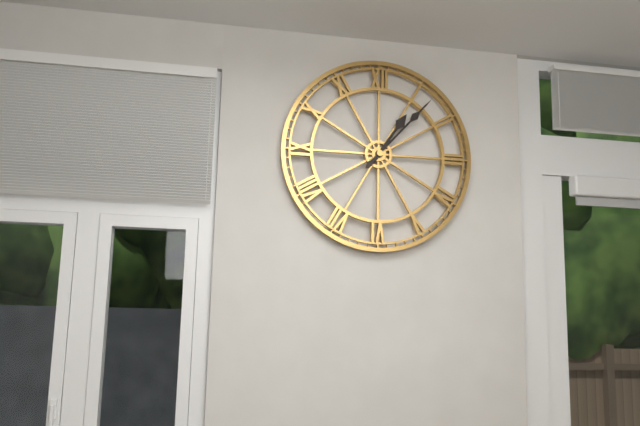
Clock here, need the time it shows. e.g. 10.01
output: 1.07
